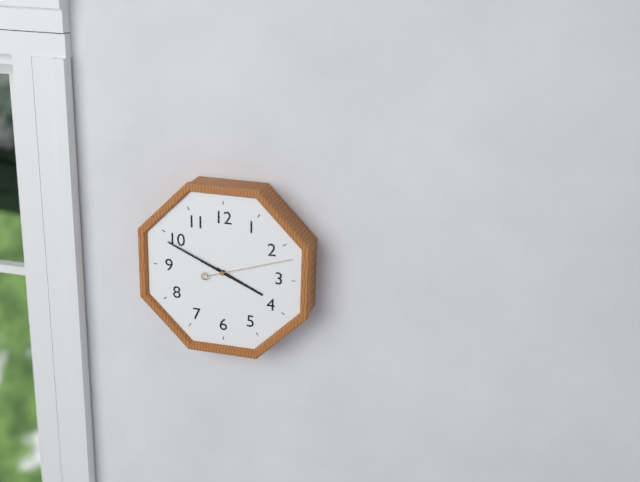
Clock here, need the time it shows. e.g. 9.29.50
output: 3.49.12
